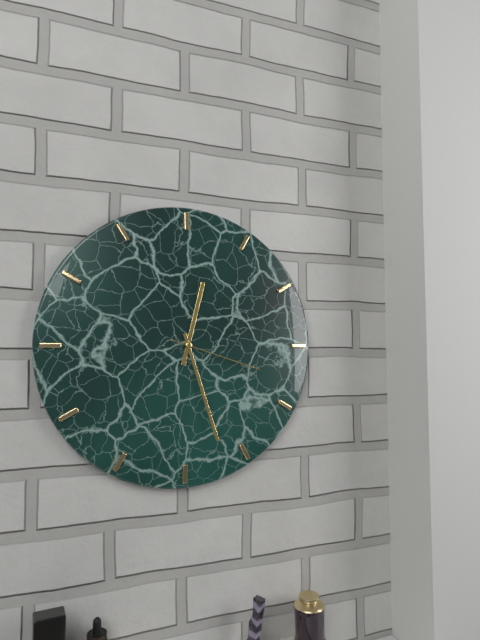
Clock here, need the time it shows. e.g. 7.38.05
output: 12.27.18
